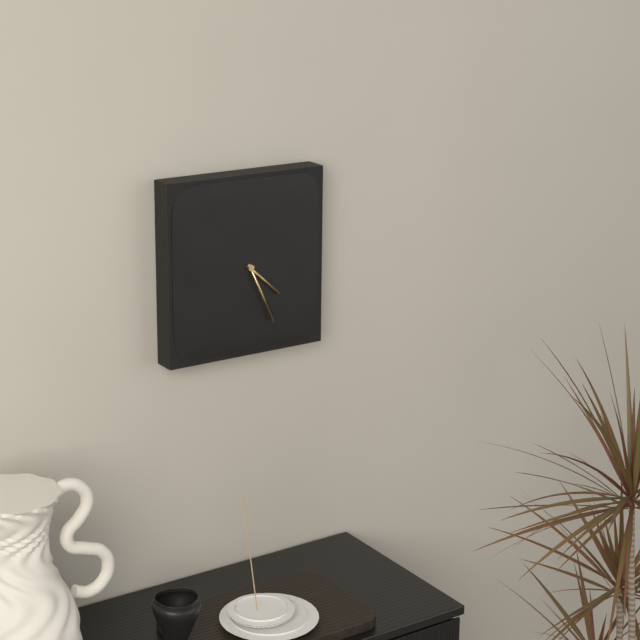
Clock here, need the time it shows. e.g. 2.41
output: 4.26
